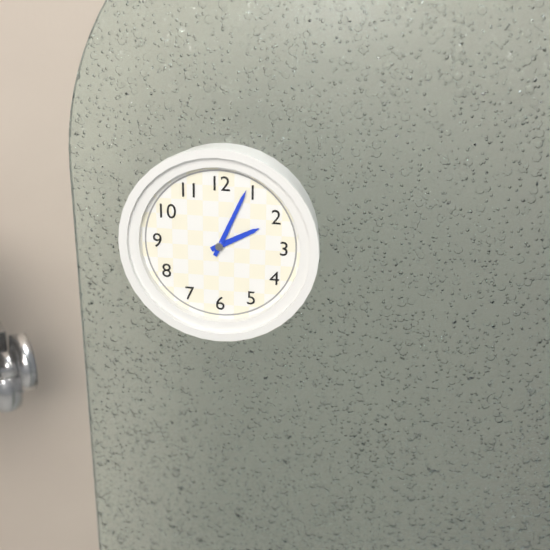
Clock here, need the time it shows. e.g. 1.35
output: 2.04
